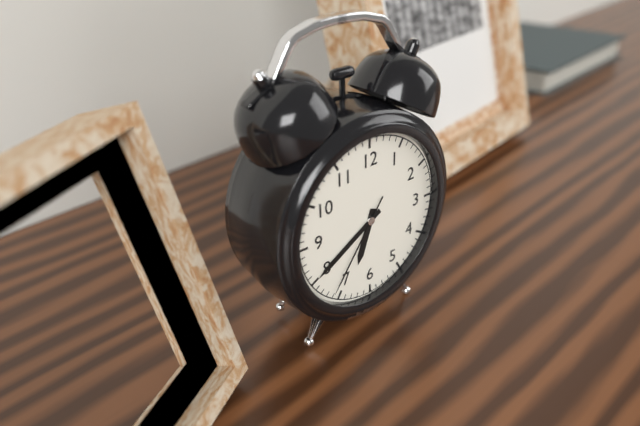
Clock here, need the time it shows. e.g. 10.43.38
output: 6.40.36
